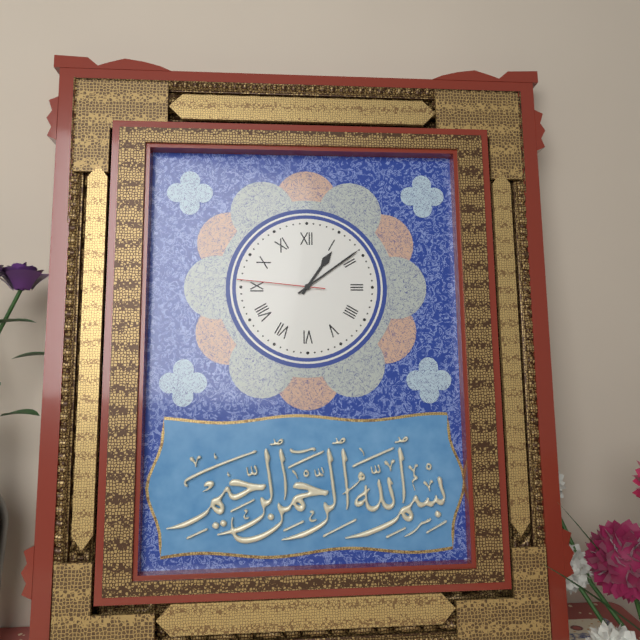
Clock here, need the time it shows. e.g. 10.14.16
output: 1.09.46
